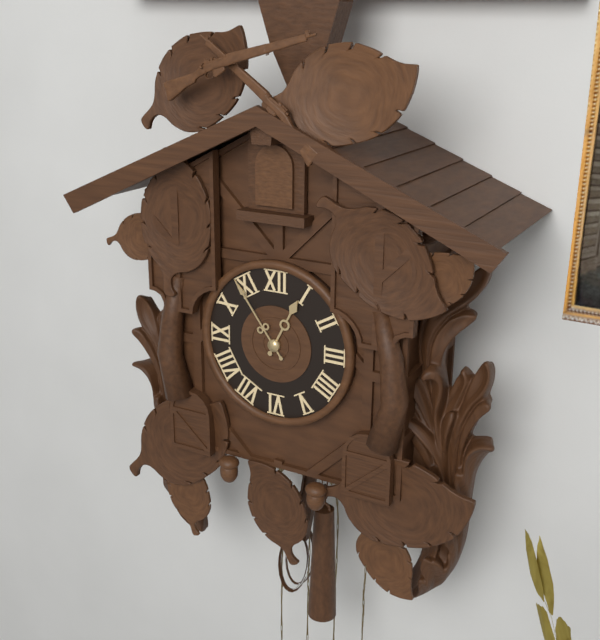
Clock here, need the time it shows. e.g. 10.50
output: 12.54
